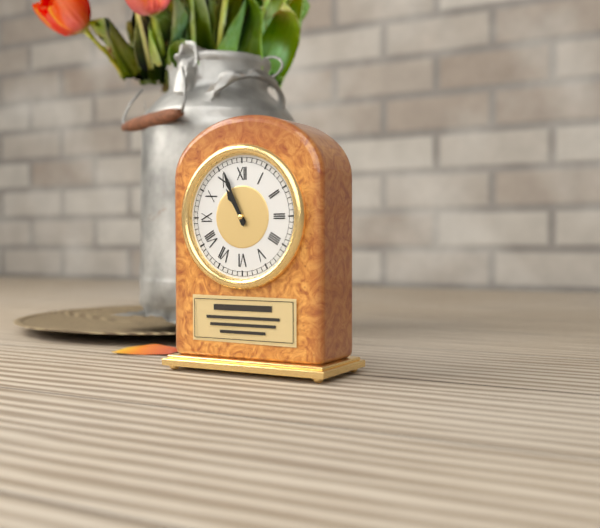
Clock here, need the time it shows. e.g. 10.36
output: 10.56
